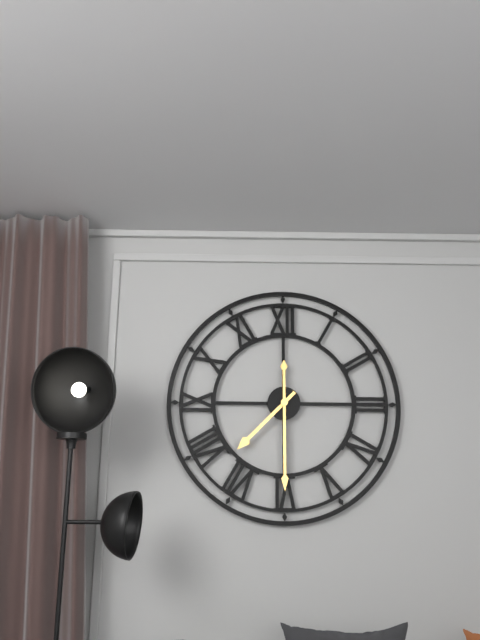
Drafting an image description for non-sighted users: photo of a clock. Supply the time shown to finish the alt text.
7:30
